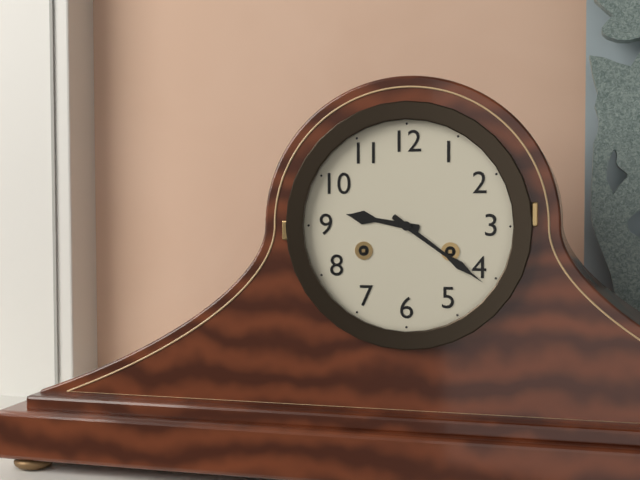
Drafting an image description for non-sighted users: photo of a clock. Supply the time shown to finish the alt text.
9:21
